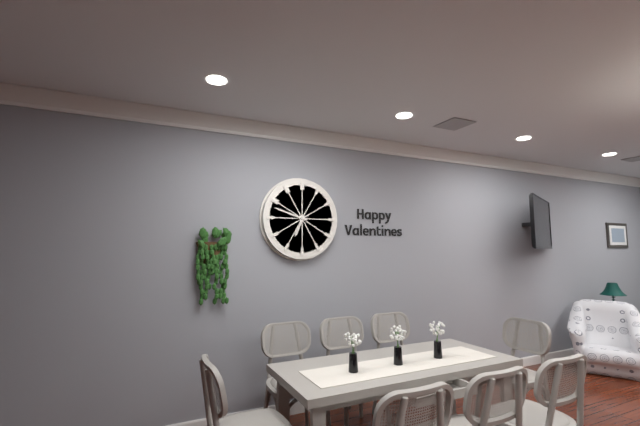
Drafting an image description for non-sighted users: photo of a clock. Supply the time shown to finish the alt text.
6:48
